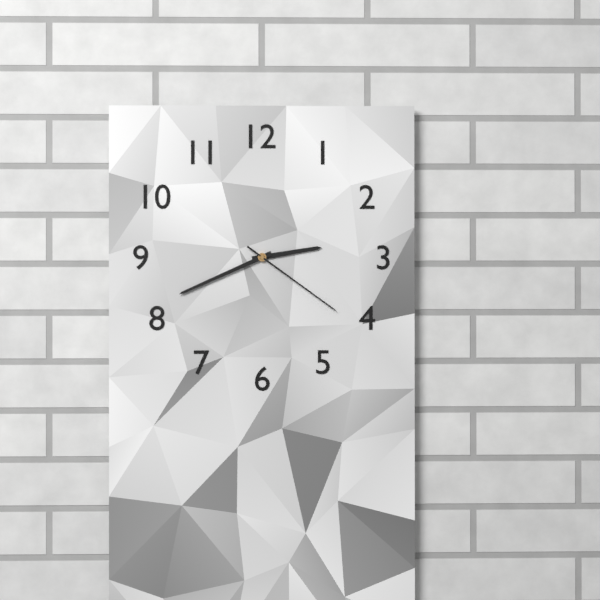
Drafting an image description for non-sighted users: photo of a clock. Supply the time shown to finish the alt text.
2:41:21
